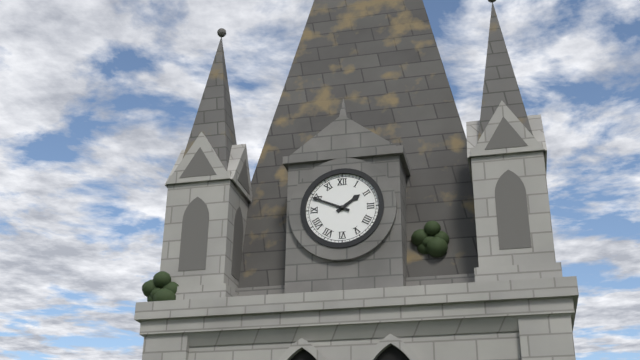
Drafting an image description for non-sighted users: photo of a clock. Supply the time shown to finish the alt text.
1:49
